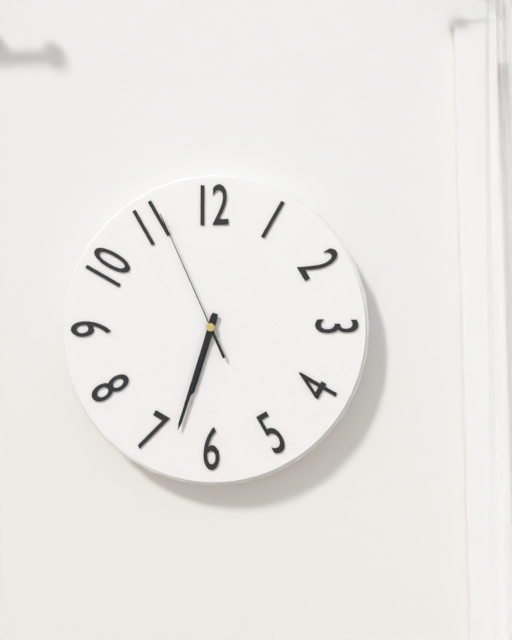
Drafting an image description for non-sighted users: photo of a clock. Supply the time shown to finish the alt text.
6:33:56
